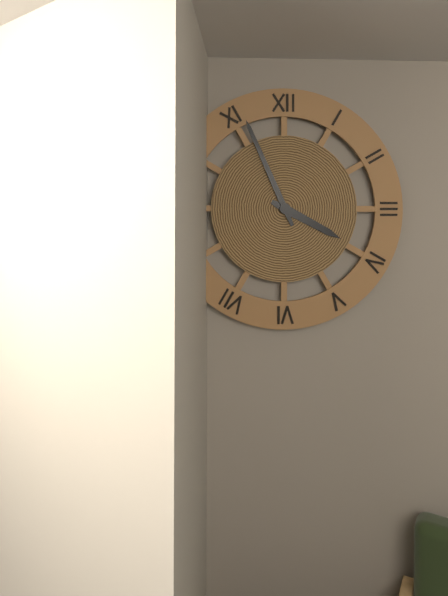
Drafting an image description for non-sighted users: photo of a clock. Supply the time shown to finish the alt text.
3:56
